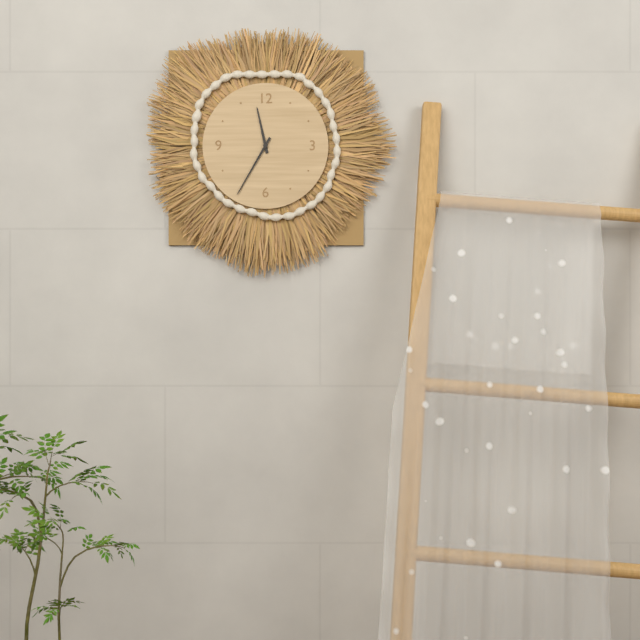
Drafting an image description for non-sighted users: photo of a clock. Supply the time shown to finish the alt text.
11:35
